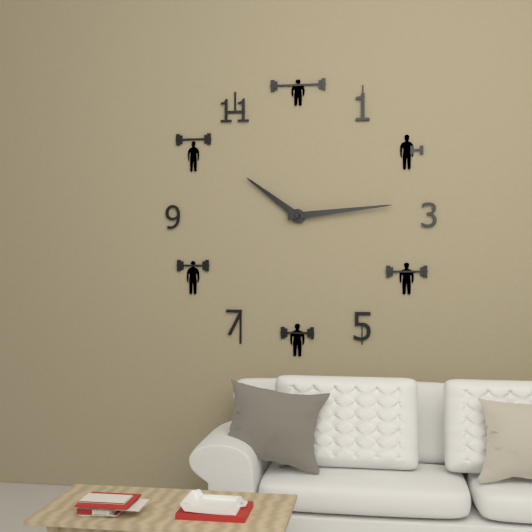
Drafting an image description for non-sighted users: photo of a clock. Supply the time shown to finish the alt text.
10:14
